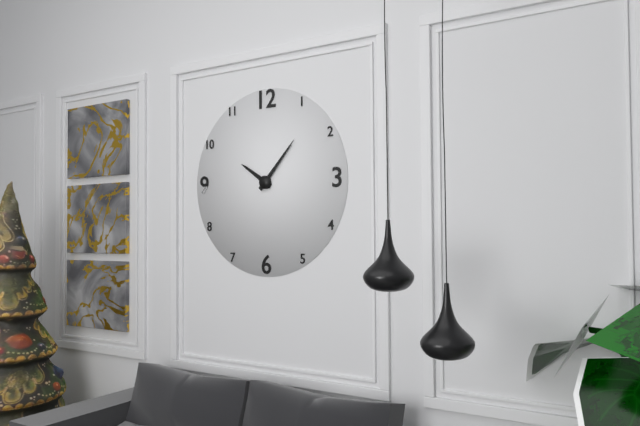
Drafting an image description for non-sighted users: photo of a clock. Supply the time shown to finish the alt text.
10:07
